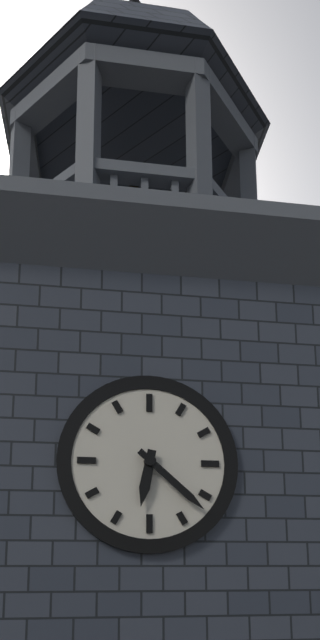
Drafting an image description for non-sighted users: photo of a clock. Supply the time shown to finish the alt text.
6:22
